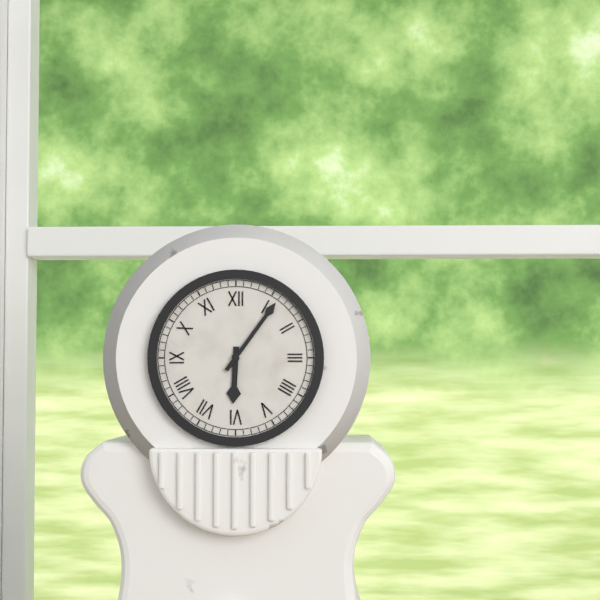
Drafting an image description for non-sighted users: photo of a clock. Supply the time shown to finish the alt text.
6:06
